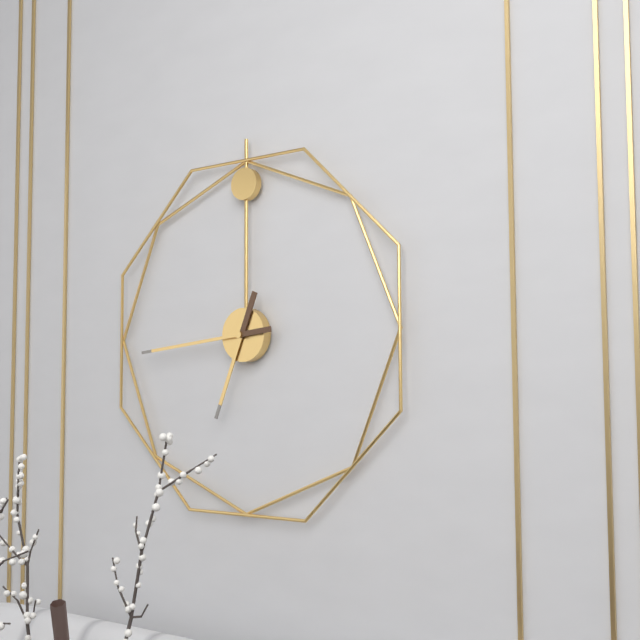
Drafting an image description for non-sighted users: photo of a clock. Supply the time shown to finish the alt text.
6:44
